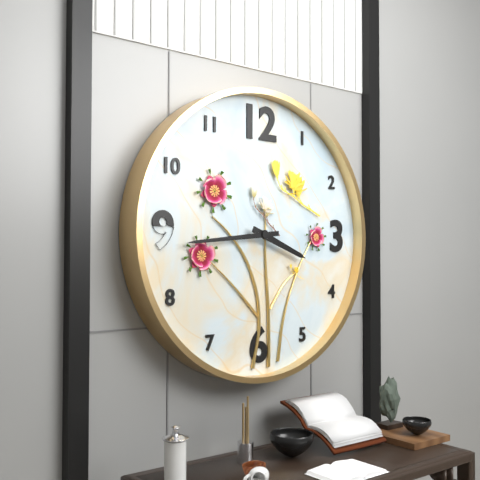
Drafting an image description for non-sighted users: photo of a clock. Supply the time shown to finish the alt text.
3:44
